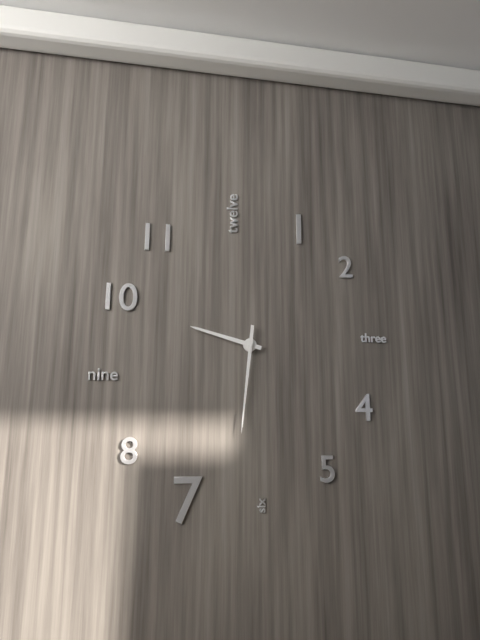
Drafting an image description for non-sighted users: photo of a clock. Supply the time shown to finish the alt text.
9:31
